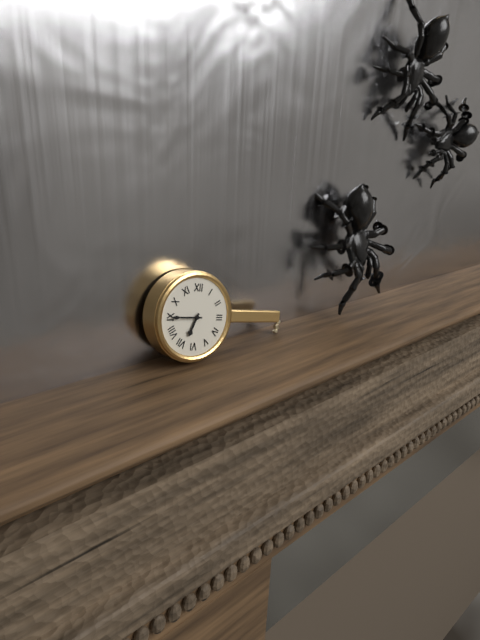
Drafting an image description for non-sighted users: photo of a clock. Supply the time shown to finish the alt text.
6:45
